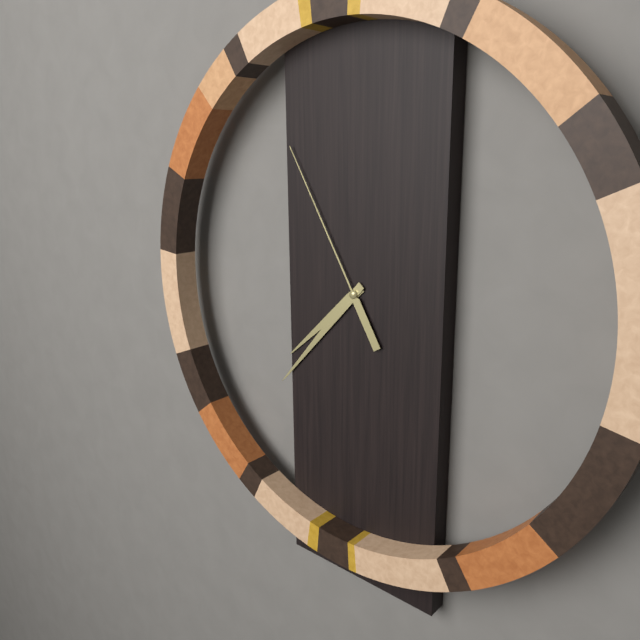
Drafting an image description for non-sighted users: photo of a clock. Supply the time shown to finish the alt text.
7:37:55
